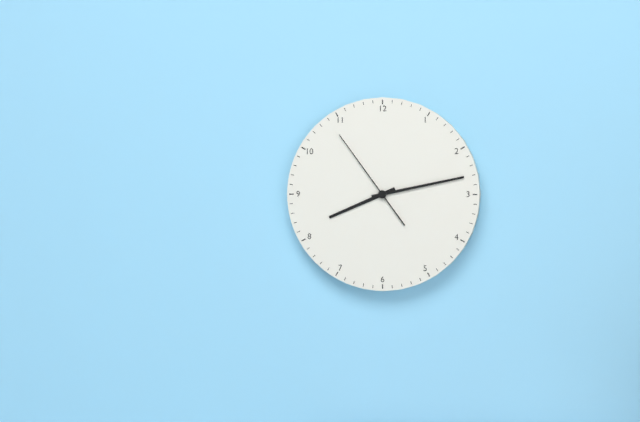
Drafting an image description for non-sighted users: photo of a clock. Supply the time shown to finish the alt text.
8:13:54
